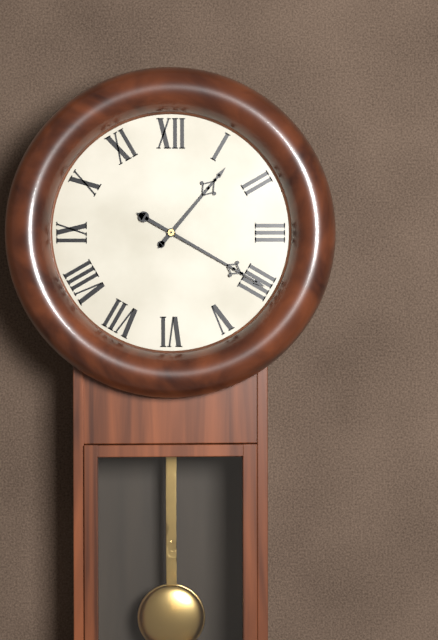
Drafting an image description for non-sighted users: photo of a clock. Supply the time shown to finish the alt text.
1:20
